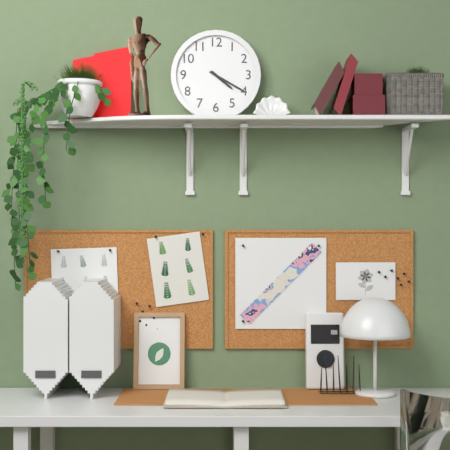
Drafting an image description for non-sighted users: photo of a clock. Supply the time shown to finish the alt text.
4:20
